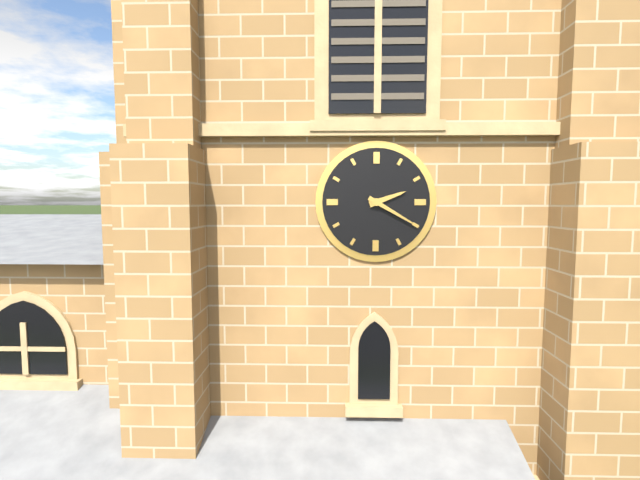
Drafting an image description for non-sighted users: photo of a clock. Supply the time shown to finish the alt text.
2:20
